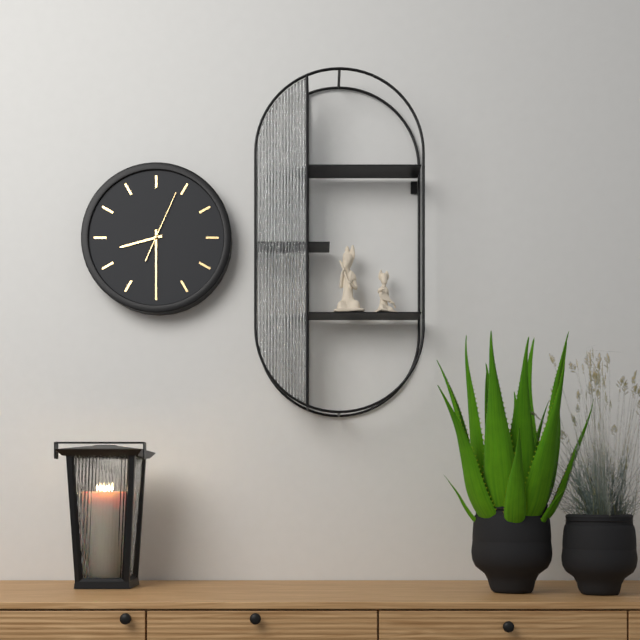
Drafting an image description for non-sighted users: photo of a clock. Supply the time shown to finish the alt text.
8:30:04
